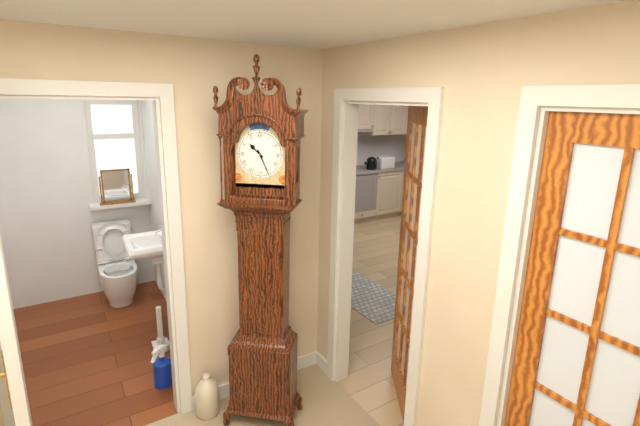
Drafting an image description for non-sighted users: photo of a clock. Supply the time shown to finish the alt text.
10:26
